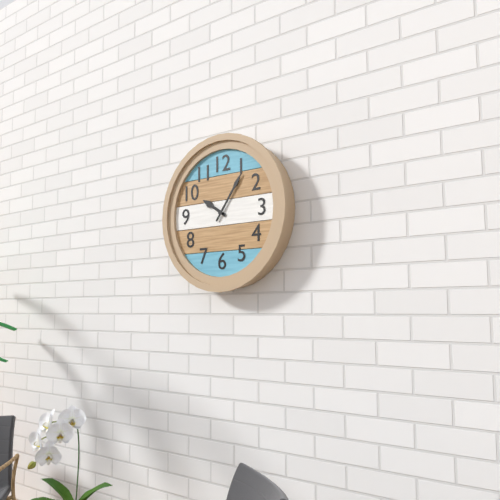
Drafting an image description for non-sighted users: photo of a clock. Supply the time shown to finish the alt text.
10:06
